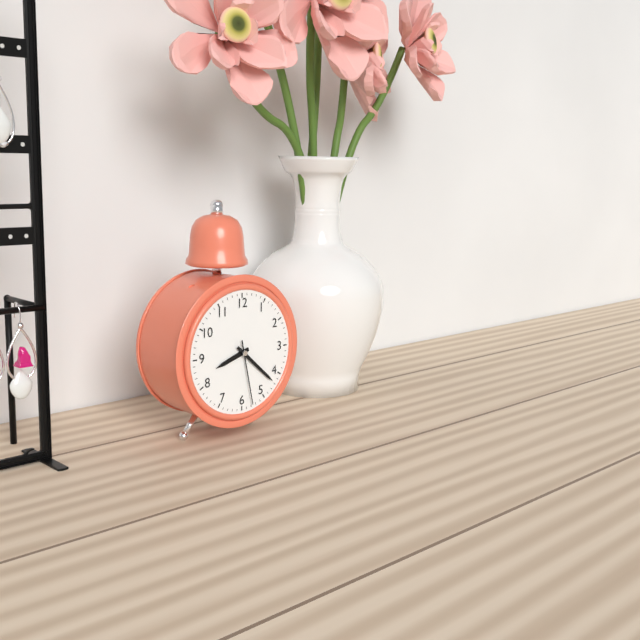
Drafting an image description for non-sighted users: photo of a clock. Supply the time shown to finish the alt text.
8:22:28
